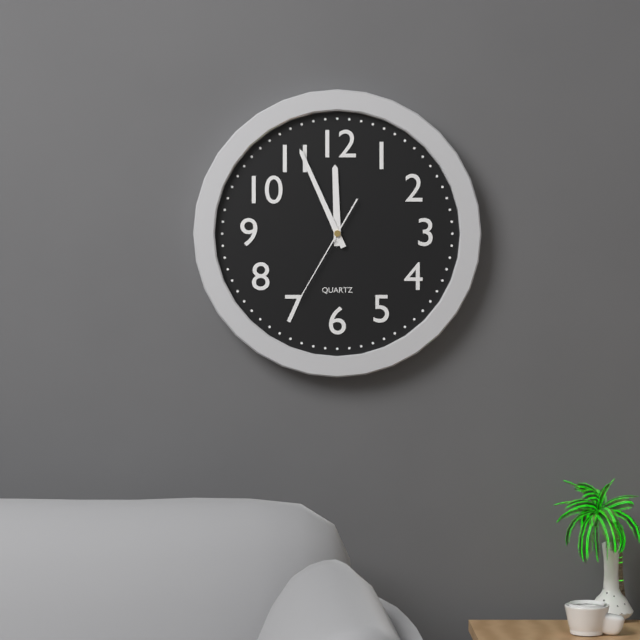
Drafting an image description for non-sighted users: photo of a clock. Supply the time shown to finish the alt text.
11:56:35
